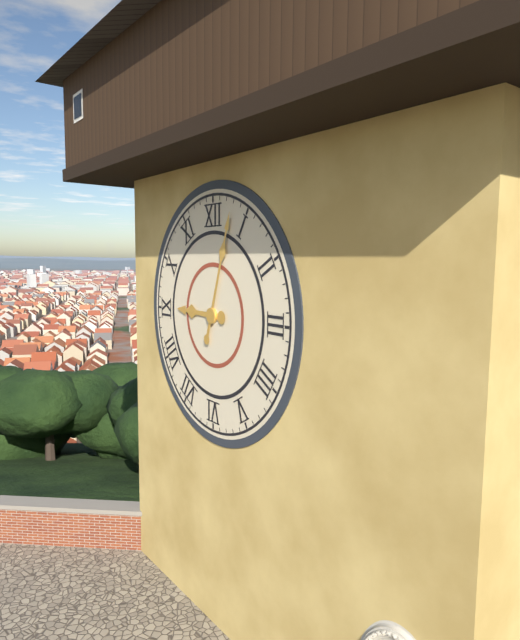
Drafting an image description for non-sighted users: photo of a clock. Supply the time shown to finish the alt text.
9:03
